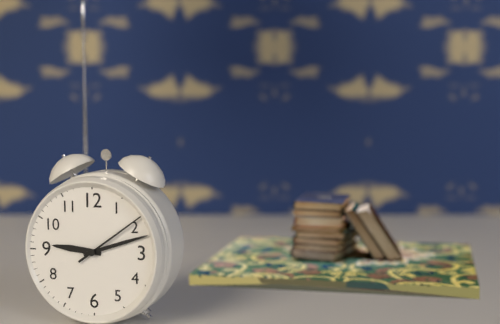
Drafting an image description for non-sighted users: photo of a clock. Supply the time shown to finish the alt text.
9:12:09
